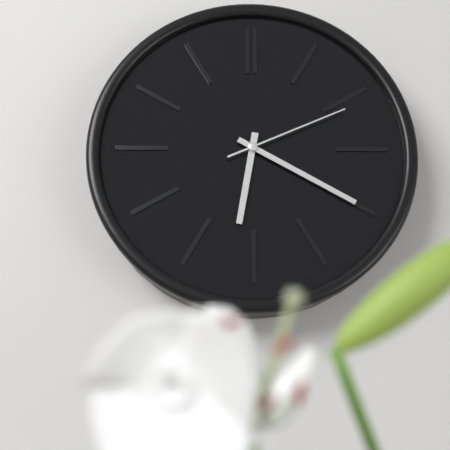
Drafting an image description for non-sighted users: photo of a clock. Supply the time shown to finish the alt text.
6:20:11
